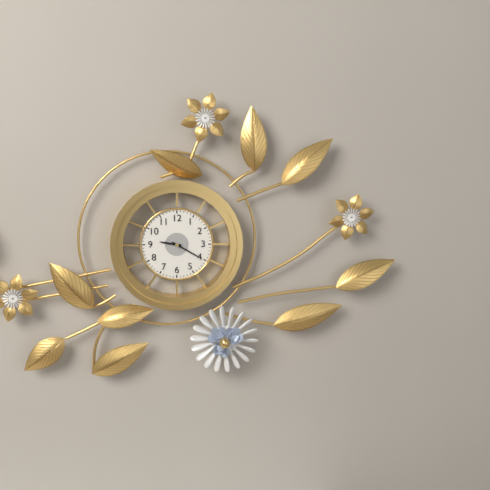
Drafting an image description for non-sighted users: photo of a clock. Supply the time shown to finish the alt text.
9:20
